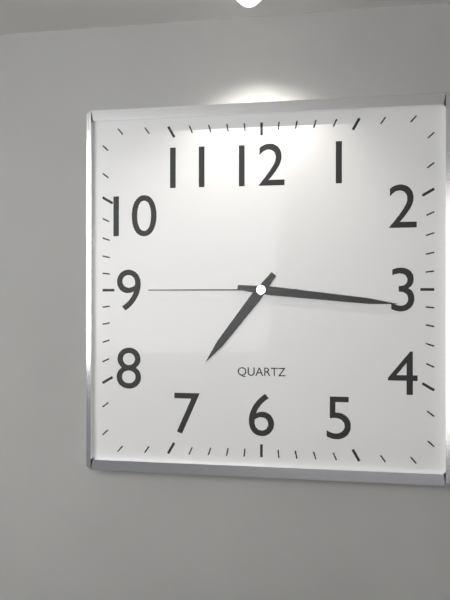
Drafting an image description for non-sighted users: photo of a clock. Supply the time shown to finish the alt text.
7:16:45
